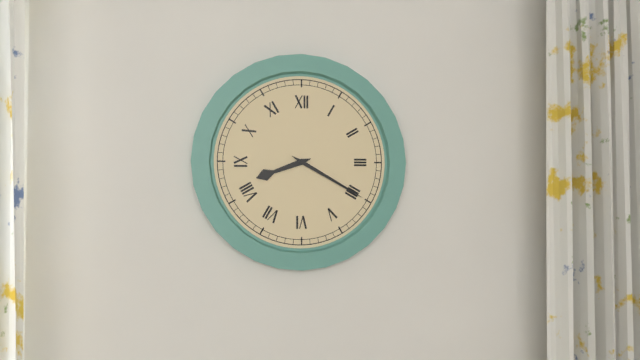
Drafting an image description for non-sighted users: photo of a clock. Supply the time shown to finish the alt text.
8:20
